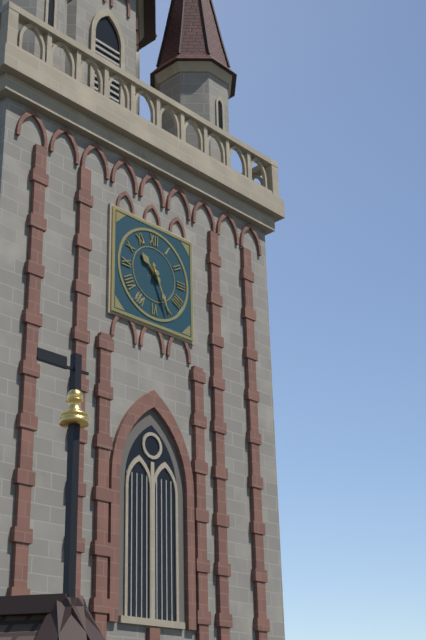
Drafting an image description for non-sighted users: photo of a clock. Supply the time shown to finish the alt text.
10:26
